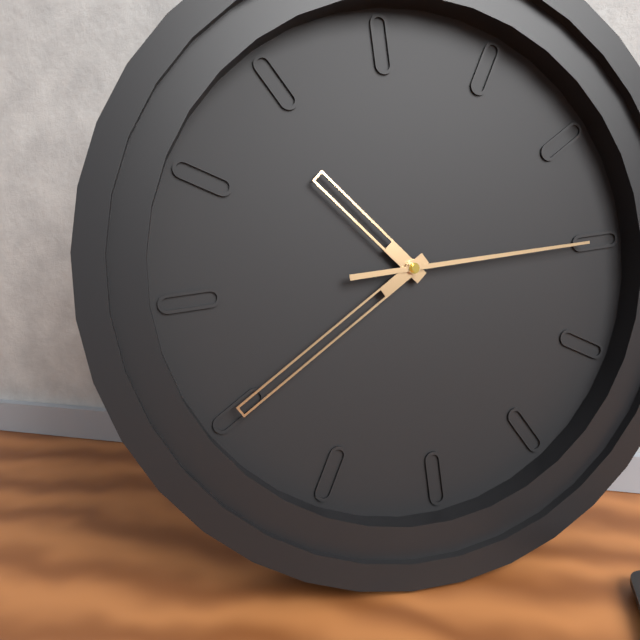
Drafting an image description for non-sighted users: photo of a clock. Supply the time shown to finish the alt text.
10:40:15
